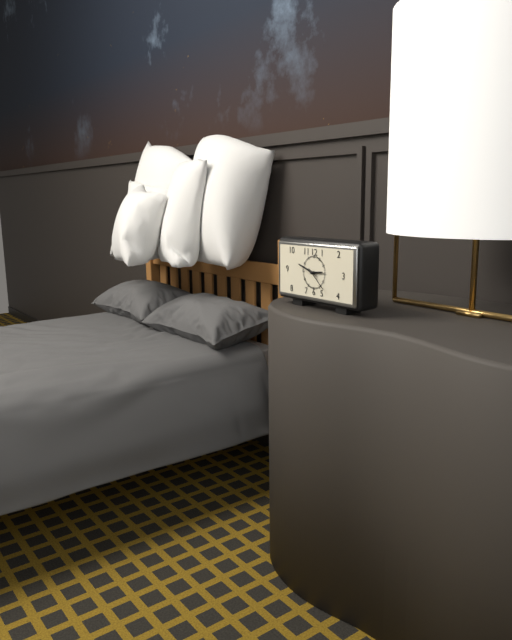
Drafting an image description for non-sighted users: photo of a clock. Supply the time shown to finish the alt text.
2:48
